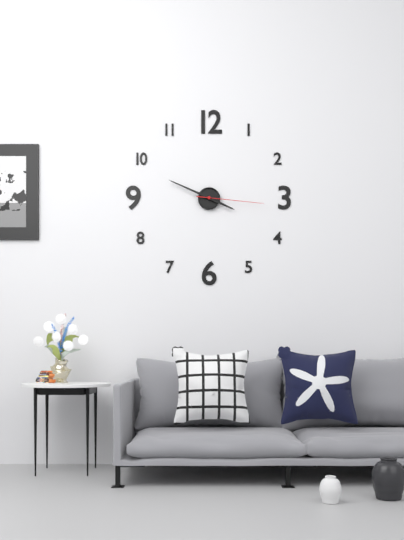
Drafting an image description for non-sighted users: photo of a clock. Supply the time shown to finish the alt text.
3:49:16
